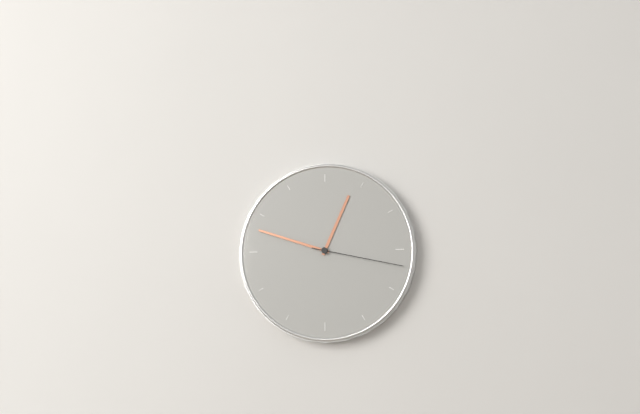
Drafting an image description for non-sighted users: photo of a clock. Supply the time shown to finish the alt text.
12:48:17
